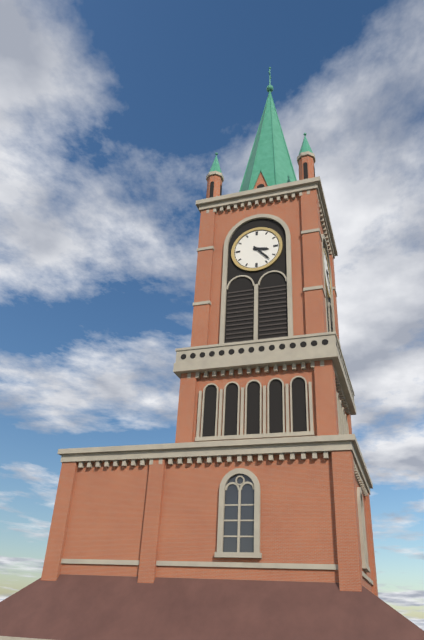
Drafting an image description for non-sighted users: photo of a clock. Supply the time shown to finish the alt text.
3:23
